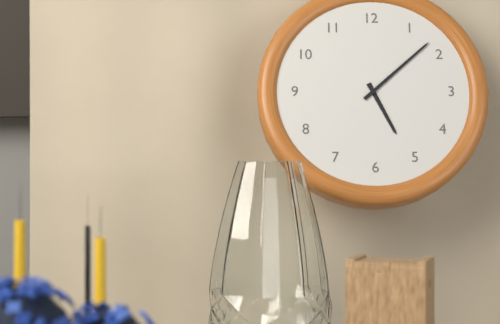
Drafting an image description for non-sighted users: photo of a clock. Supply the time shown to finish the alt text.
5:08
